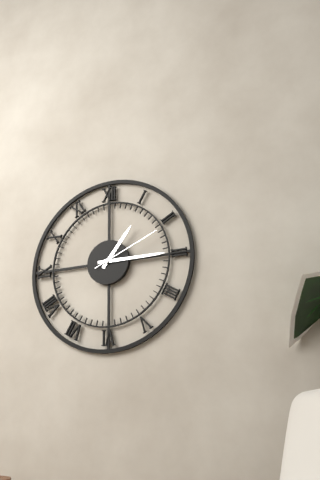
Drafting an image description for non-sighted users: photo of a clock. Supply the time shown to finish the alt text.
1:15:11
